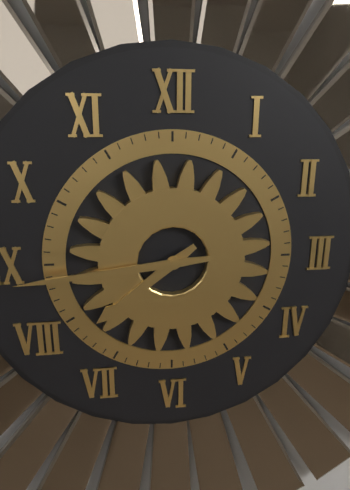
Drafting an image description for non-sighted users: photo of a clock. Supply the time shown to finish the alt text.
7:44
